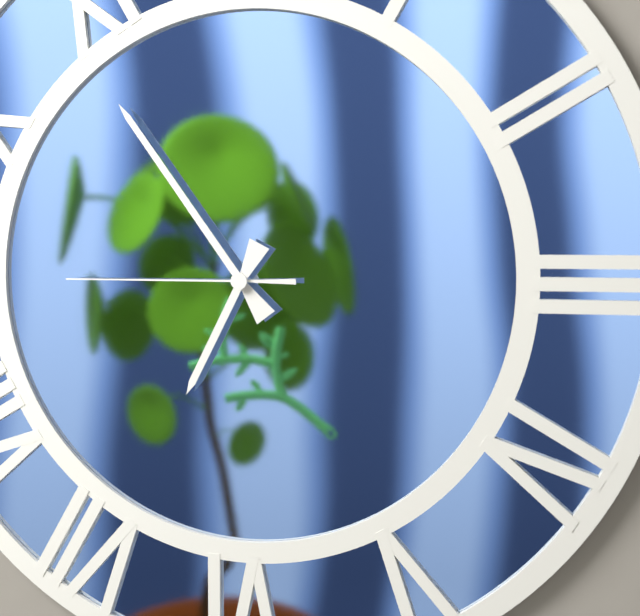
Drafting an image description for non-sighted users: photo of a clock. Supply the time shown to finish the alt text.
6:54:45
